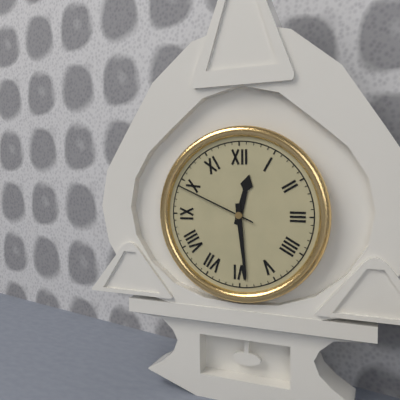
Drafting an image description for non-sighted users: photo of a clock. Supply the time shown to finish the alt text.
12:29:49
